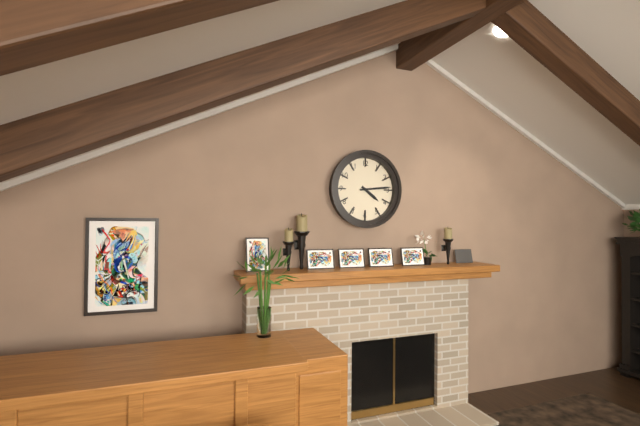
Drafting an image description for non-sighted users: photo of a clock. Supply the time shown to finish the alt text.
4:14
